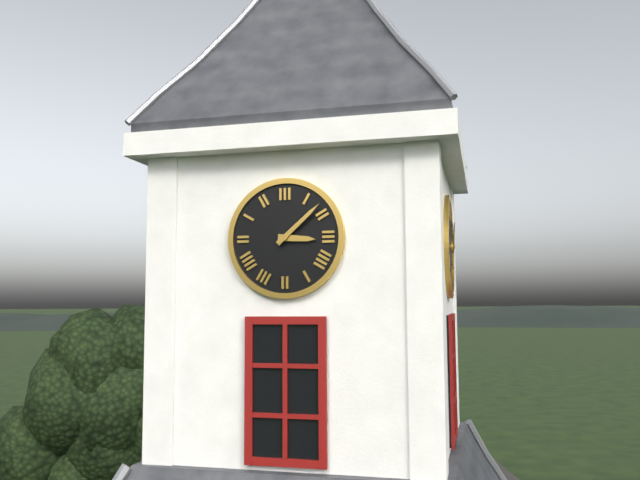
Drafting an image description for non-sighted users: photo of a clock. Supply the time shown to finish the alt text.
3:08
